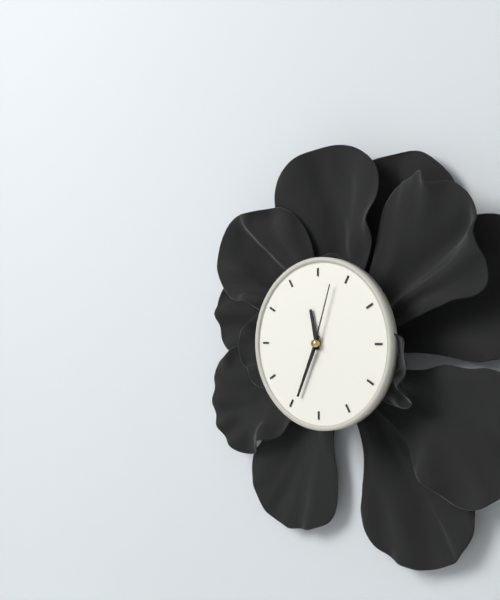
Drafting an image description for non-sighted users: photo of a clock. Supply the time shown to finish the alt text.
11:34:03
